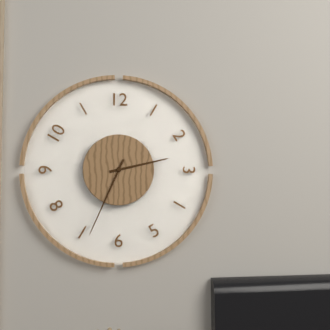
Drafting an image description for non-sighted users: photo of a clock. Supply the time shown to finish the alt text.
2:34
